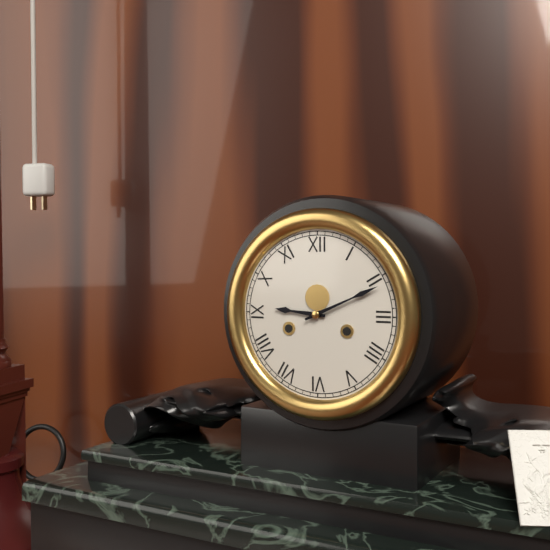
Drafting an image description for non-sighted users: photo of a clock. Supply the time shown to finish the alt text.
9:11
